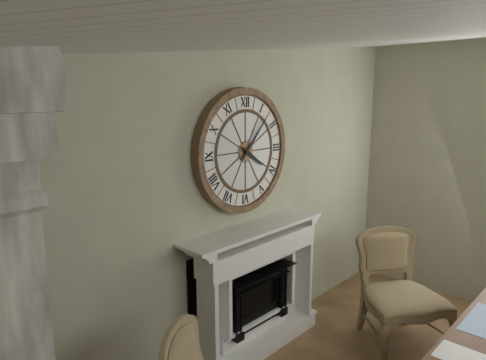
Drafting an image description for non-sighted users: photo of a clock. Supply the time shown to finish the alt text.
4:07
